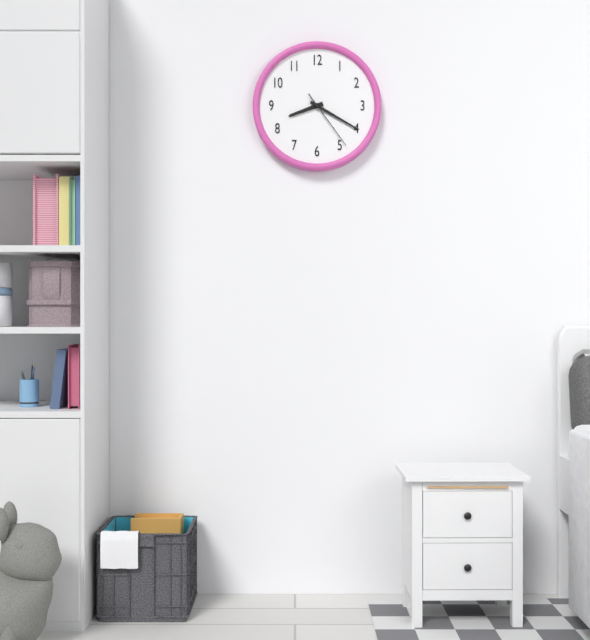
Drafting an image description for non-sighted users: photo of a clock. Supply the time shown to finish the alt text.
8:20:24
